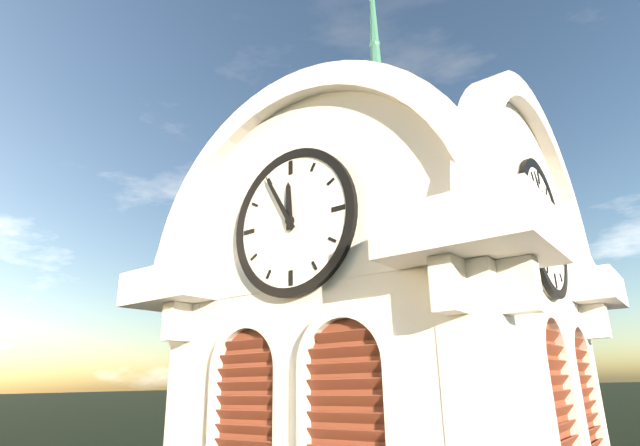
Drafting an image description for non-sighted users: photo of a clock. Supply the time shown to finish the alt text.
11:55
